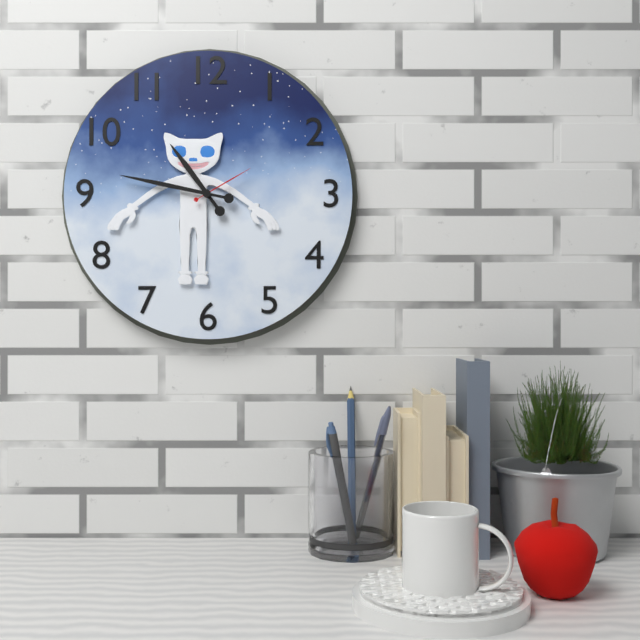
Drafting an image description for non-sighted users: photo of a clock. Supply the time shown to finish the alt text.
10:47:10
